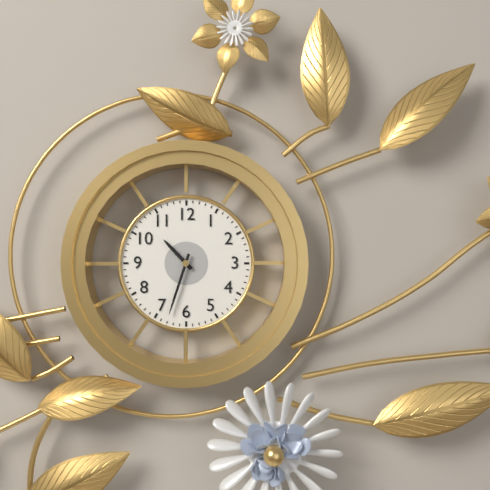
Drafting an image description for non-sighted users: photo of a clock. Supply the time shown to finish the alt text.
10:33
